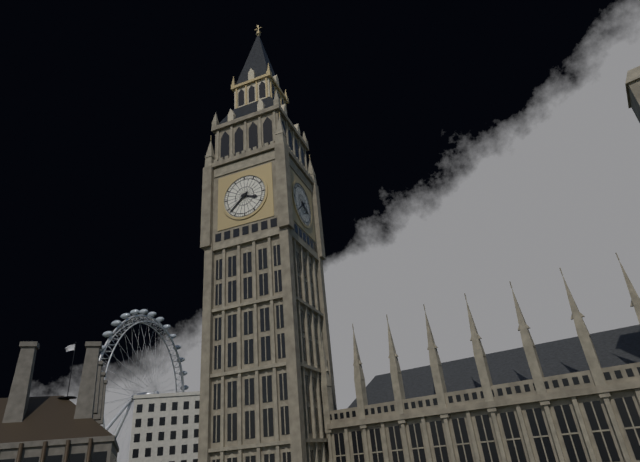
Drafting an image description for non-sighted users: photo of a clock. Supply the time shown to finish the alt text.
3:38
